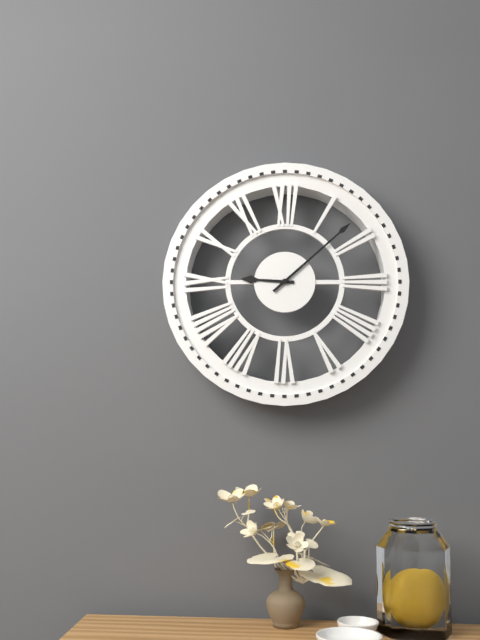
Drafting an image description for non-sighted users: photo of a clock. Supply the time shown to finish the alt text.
9:08
